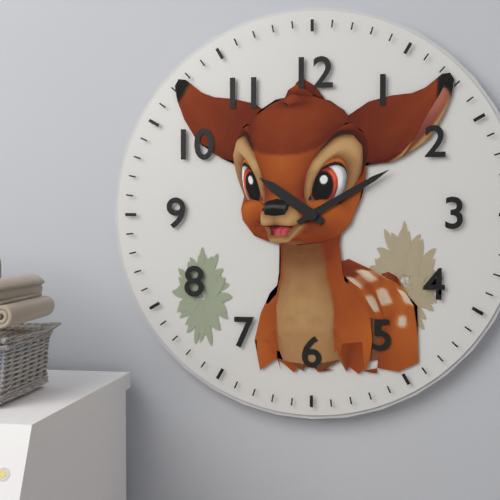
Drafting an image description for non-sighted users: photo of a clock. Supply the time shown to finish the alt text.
10:10
